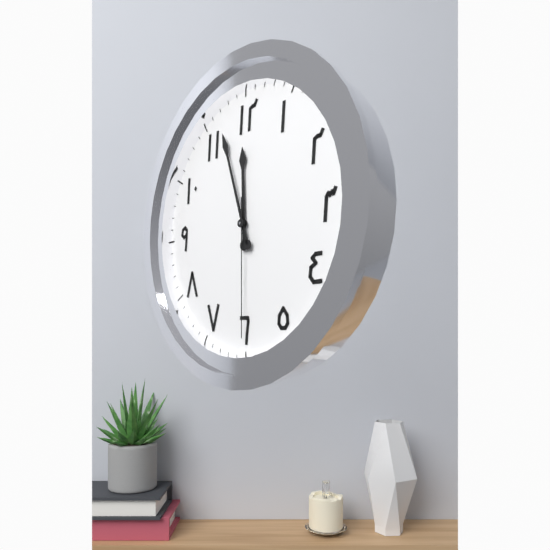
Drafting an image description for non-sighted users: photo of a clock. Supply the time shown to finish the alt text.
11:57:30
